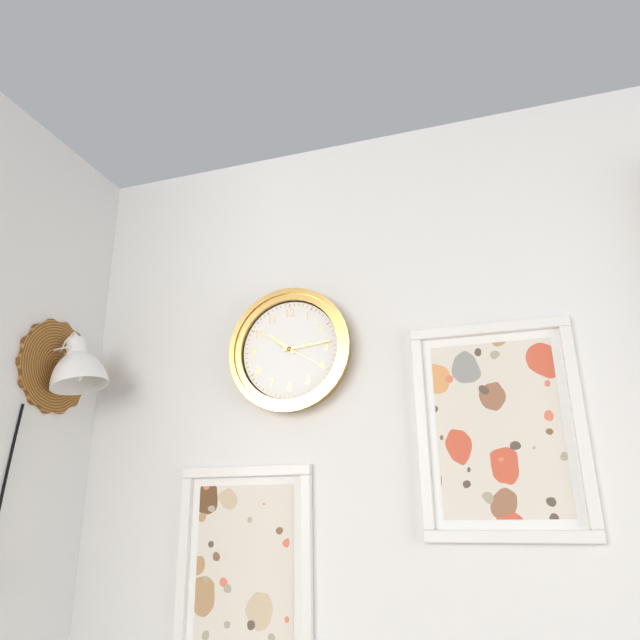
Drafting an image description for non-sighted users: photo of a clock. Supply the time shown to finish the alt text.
10:14:20
